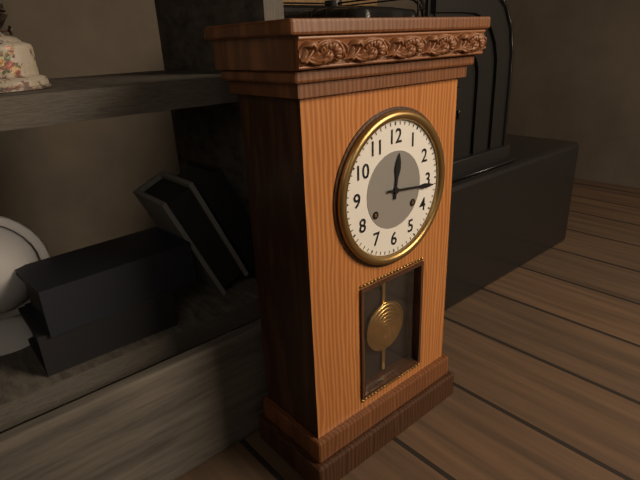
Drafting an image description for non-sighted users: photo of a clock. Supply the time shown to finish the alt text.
12:16
